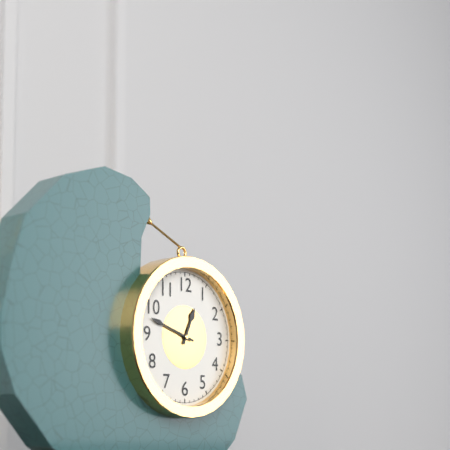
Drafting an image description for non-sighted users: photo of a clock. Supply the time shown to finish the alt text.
12:48
